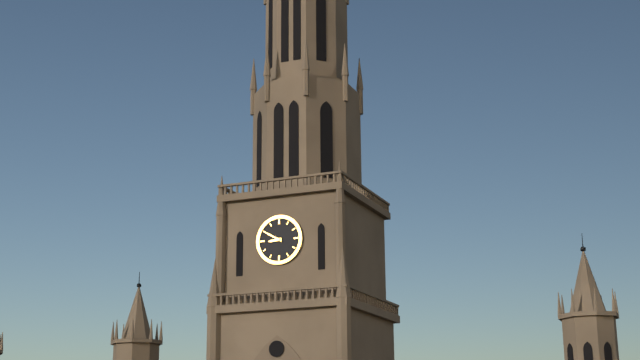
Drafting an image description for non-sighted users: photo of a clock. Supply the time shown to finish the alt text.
8:50
